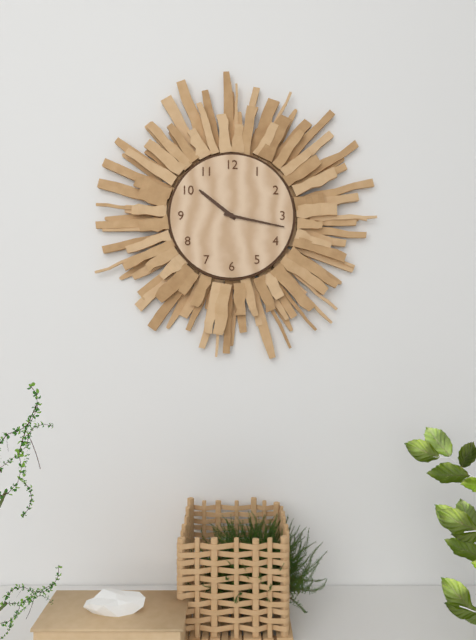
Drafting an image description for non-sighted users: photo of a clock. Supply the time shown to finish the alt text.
10:17
